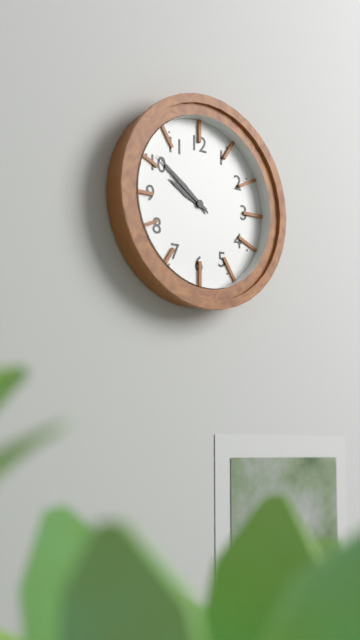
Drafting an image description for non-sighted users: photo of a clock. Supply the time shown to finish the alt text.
9:51
